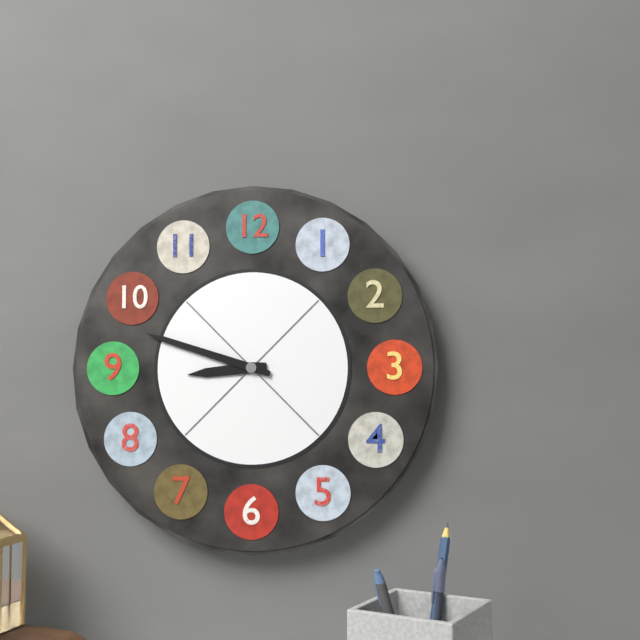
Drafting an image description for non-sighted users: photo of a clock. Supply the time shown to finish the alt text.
8:48
